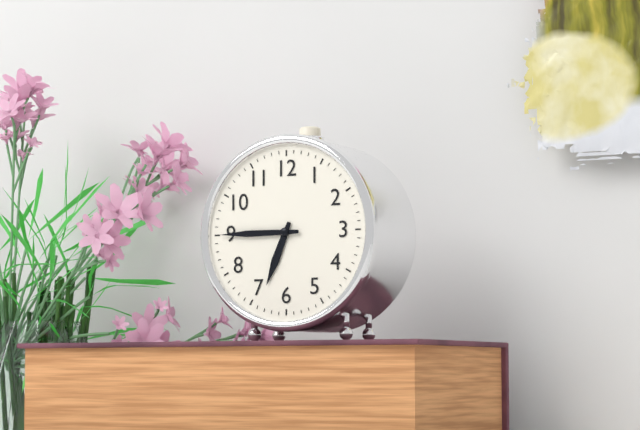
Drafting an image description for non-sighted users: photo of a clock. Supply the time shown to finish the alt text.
6:45
